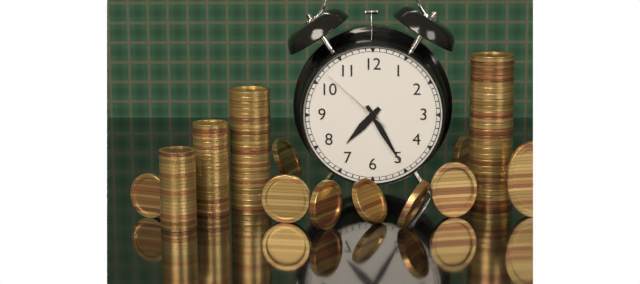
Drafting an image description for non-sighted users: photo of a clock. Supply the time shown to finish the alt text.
7:25:52
